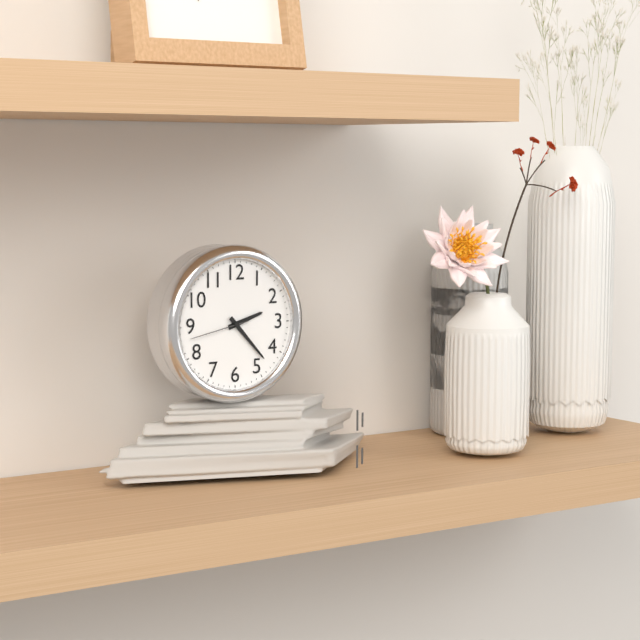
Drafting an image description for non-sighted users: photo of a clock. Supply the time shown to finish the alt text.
2:23:43
